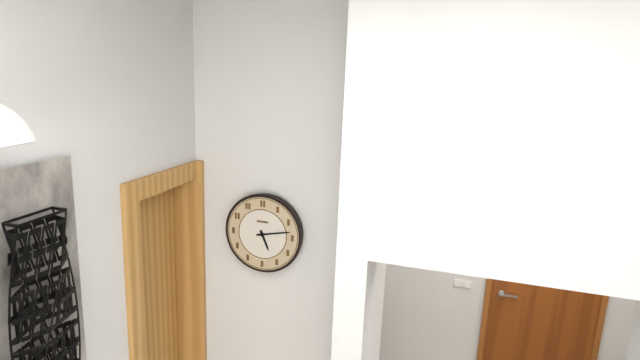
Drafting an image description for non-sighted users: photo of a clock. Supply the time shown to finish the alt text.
5:13
